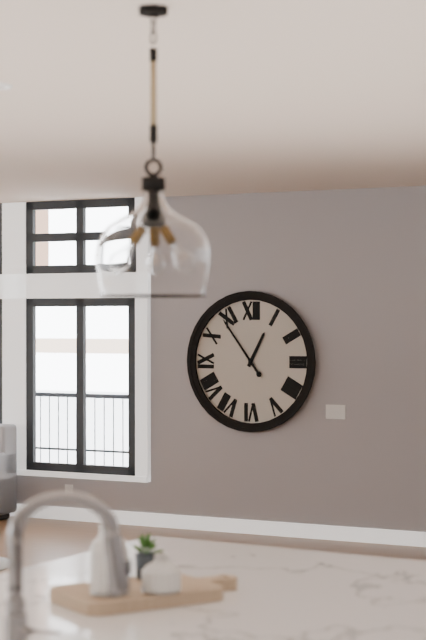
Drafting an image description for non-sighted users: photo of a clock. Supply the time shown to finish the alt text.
12:54
